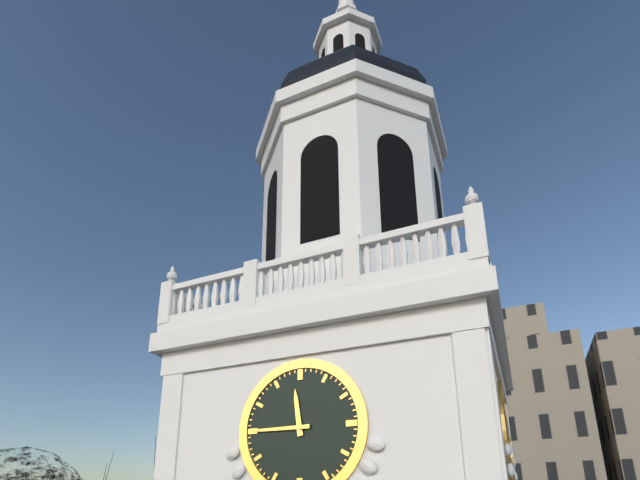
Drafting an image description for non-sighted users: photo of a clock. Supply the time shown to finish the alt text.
11:45
